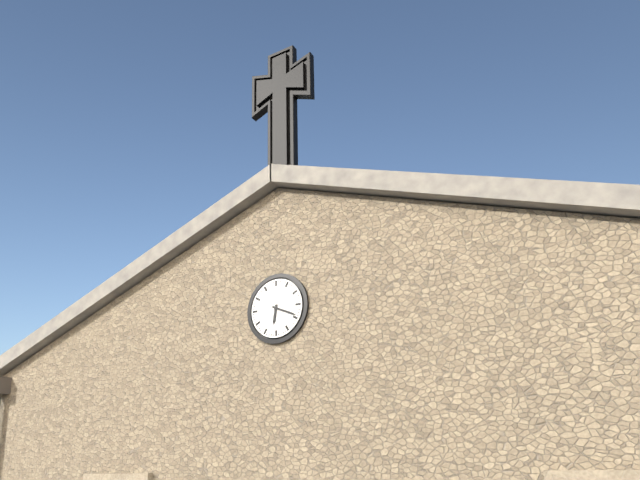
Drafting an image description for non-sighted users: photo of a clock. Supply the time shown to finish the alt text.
6:19
